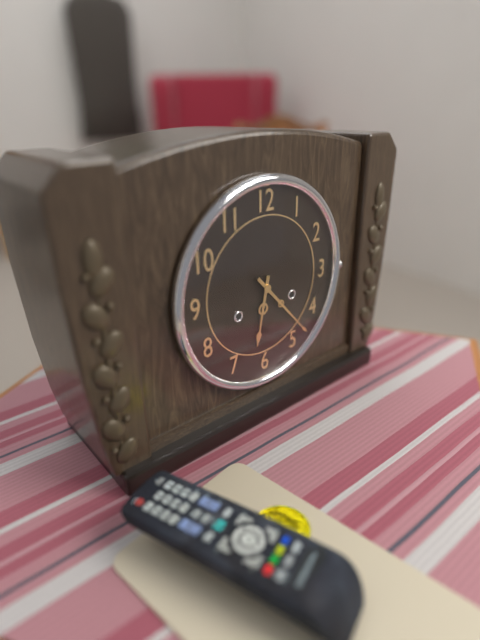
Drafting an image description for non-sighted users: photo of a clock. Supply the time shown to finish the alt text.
6:23
